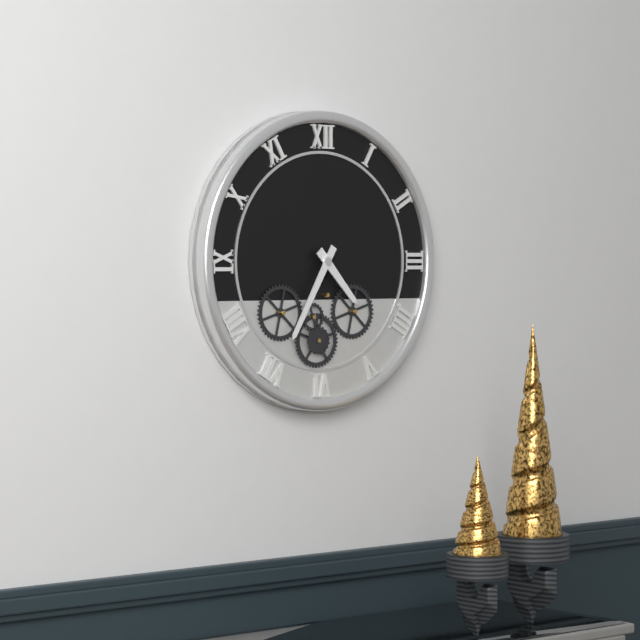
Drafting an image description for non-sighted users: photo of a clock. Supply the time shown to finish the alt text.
4:35
